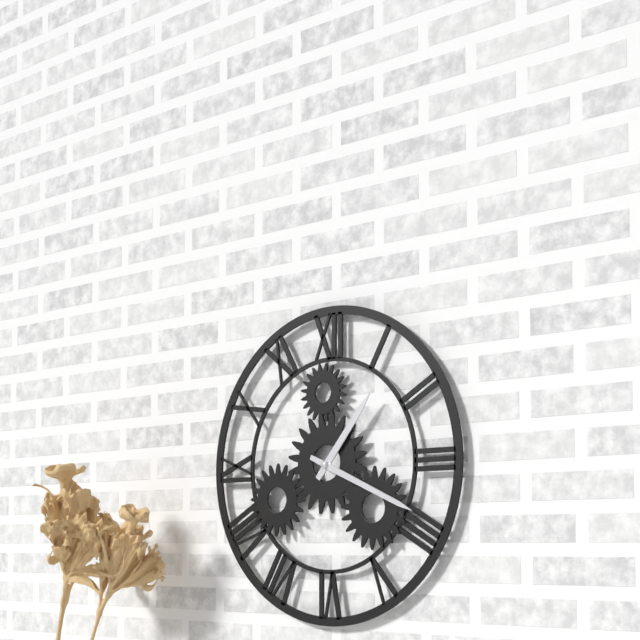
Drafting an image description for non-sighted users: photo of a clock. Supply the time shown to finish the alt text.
1:19
